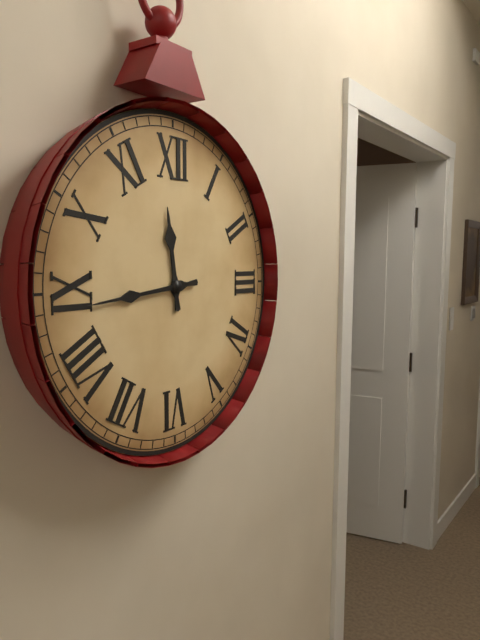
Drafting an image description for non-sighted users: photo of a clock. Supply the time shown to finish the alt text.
11:44
